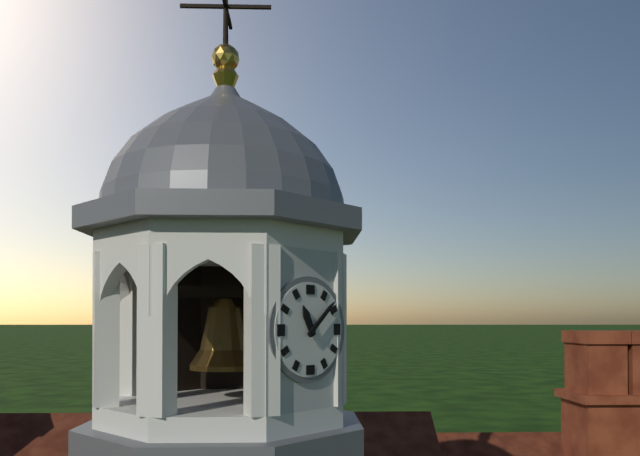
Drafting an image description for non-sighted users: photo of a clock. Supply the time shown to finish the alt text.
11:08
